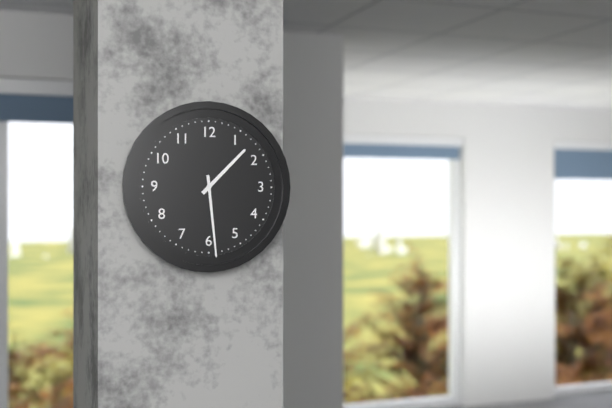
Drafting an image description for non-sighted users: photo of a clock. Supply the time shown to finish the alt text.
1:29
